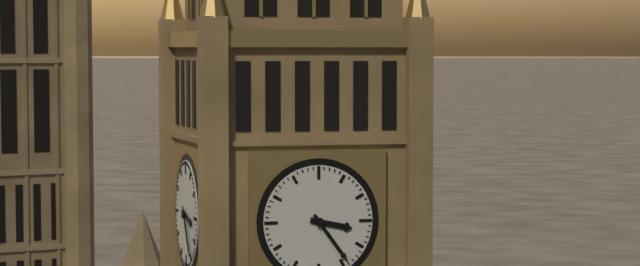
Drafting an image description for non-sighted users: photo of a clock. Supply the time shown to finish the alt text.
3:24
